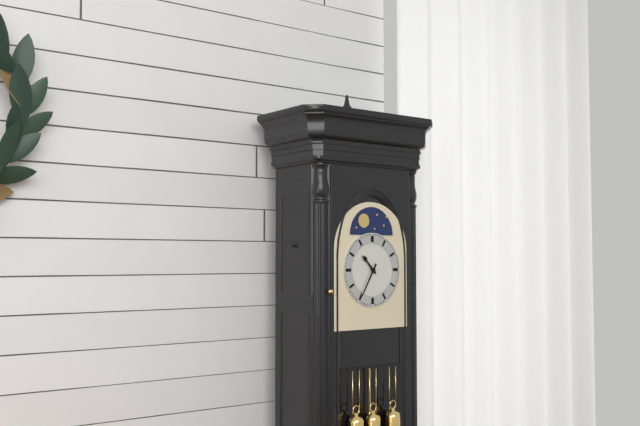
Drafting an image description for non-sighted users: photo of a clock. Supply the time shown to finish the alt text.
10:35
